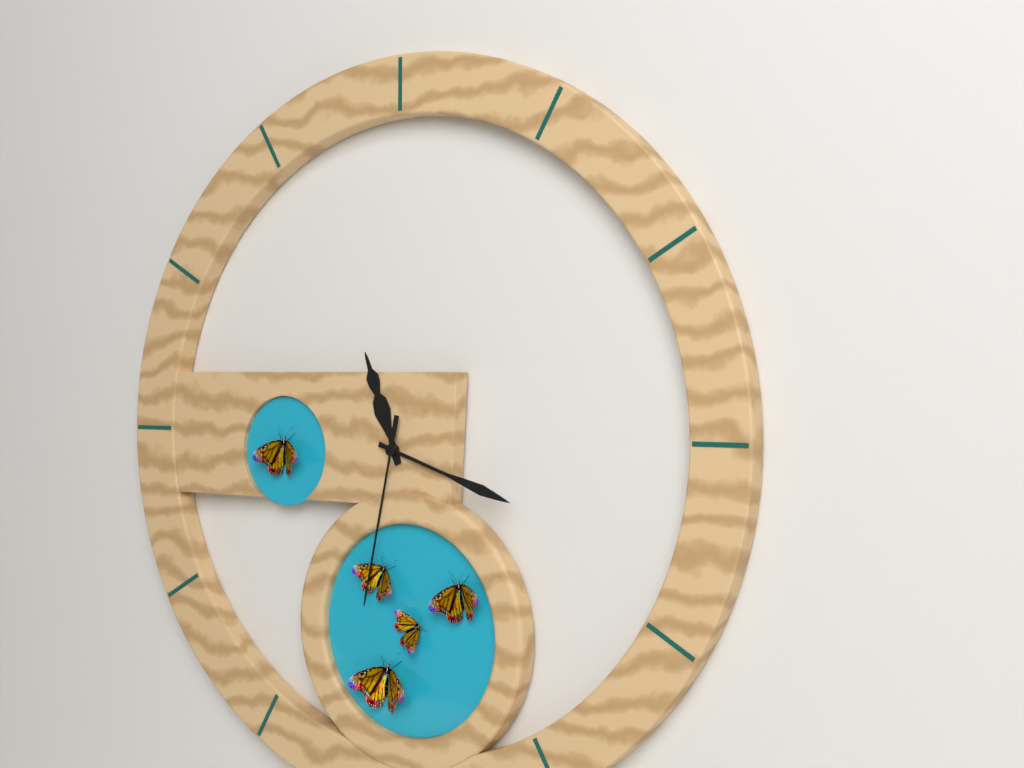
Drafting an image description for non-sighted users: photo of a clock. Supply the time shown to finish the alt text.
11:18:32
